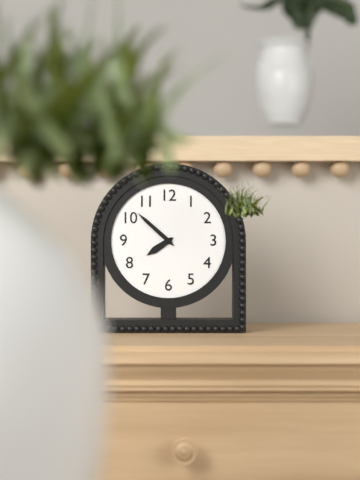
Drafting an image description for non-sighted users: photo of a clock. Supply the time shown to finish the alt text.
7:52
